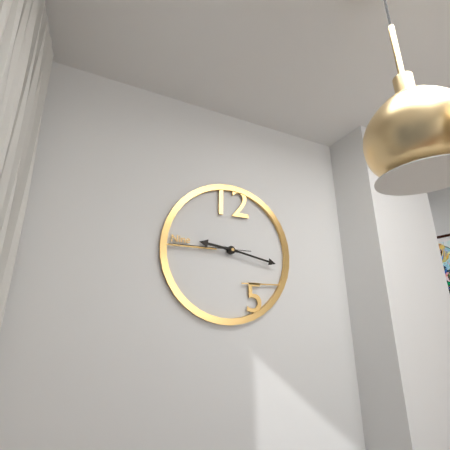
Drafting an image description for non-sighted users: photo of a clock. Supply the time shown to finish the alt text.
9:17:45
